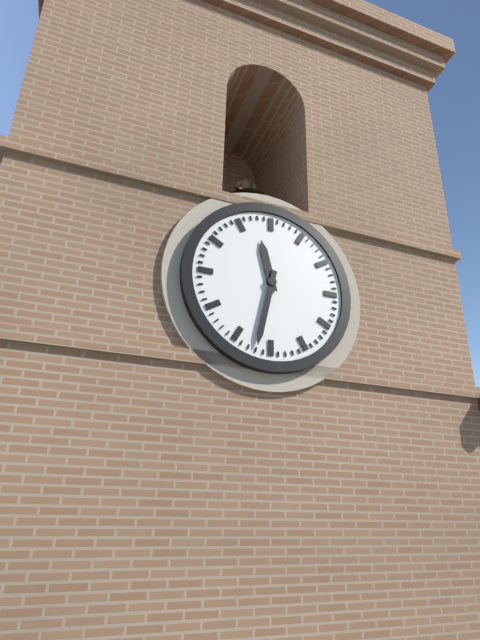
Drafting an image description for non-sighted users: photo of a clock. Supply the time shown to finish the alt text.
11:32
